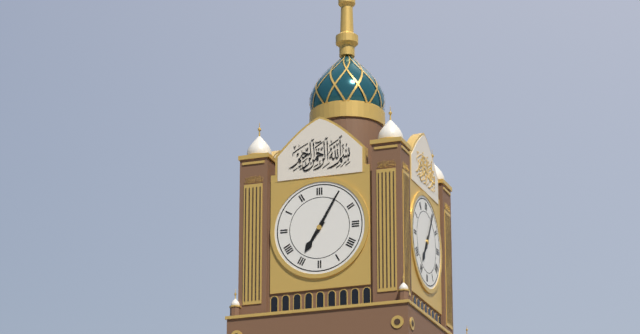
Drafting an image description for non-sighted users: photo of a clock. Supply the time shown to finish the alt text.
7:05
